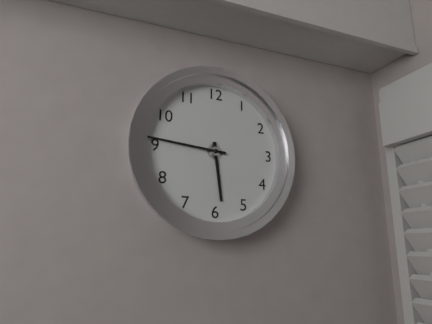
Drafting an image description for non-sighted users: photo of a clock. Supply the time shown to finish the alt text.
5:46
